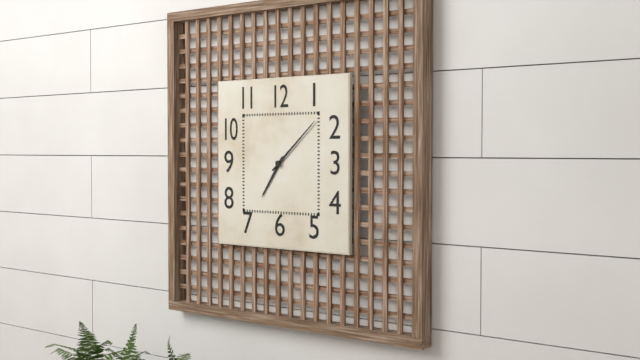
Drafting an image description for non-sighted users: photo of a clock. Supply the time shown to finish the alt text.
7:08
